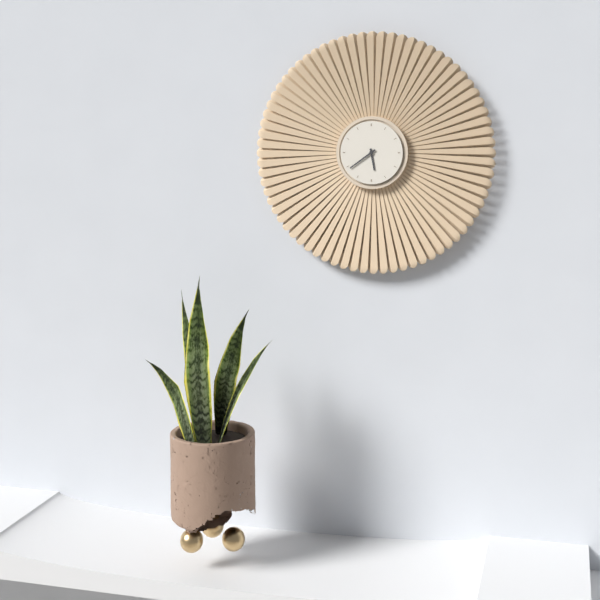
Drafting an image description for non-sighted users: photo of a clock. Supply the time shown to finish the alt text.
5:39
